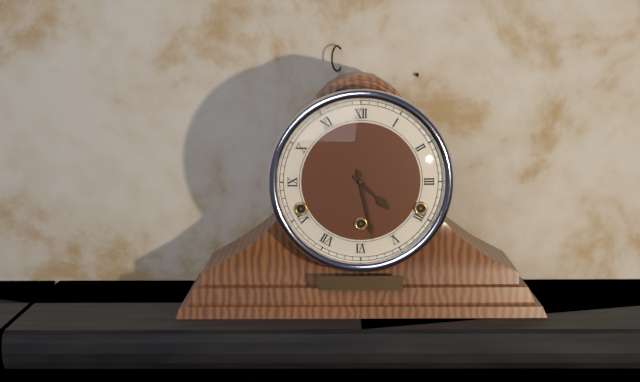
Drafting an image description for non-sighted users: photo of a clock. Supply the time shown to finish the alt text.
4:28
